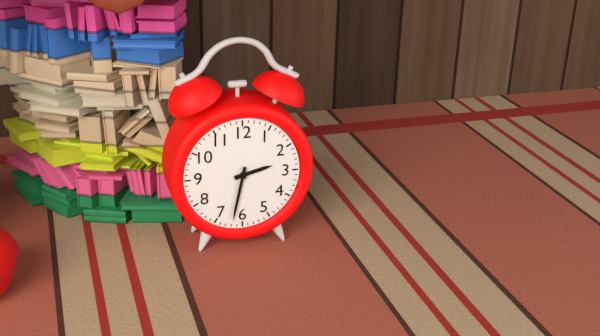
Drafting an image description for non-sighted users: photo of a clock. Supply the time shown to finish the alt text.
2:32
